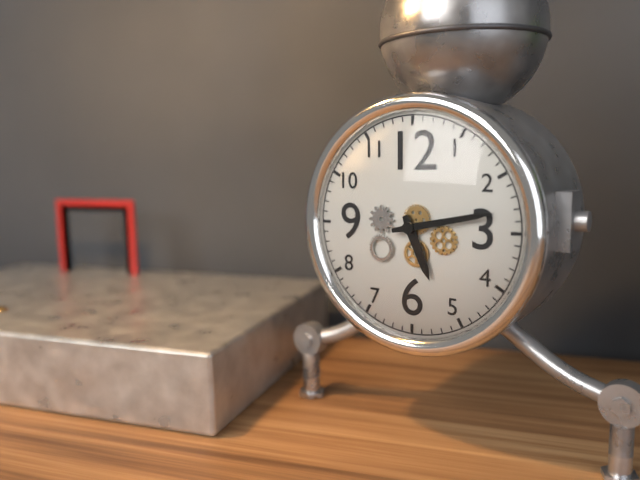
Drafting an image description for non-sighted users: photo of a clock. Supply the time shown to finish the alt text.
5:13
